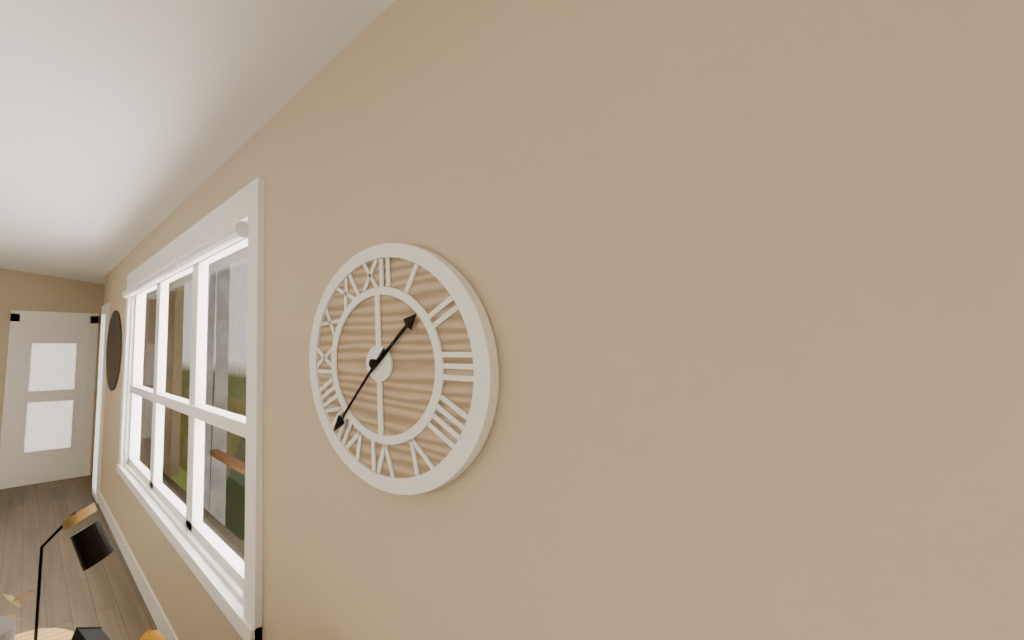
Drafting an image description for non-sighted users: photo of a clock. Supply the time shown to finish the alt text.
1:37
